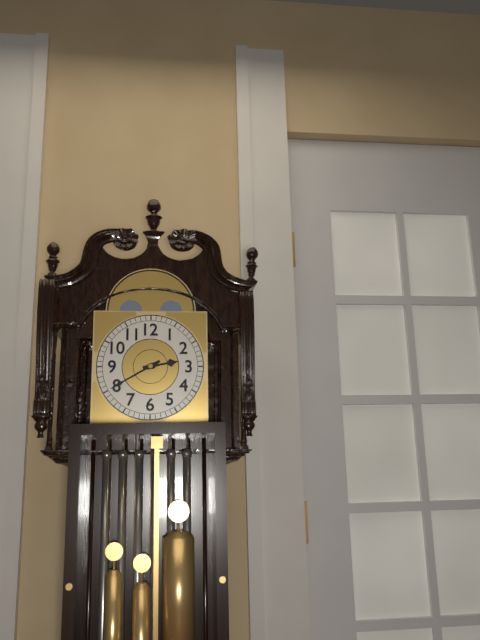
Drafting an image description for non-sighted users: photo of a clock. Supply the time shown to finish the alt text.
2:40
